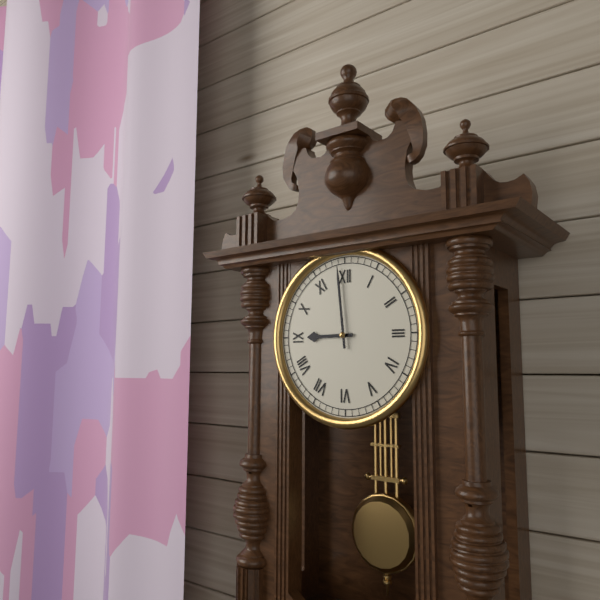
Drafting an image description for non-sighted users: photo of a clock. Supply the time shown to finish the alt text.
8:59
